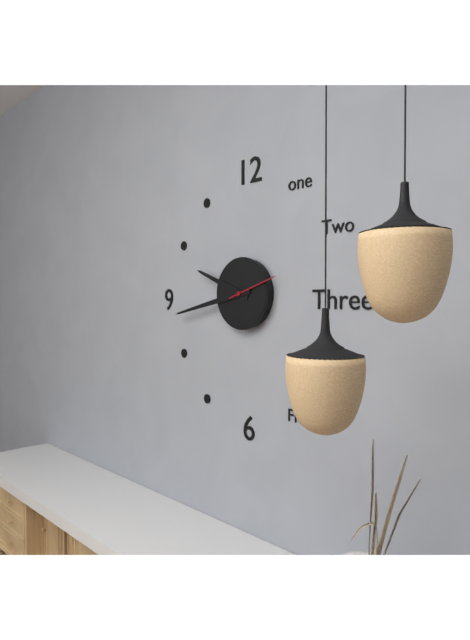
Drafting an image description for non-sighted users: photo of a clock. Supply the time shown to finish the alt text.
9:43:12
